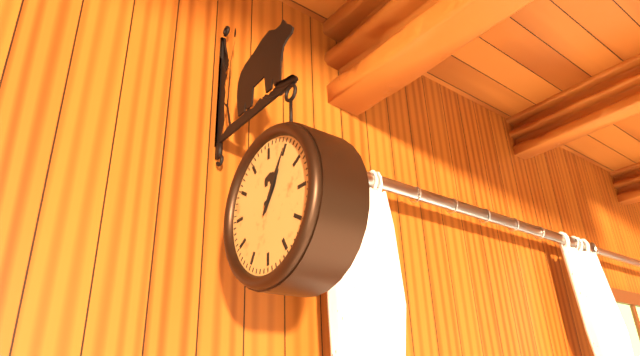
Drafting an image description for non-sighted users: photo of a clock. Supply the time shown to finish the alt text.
1:05
